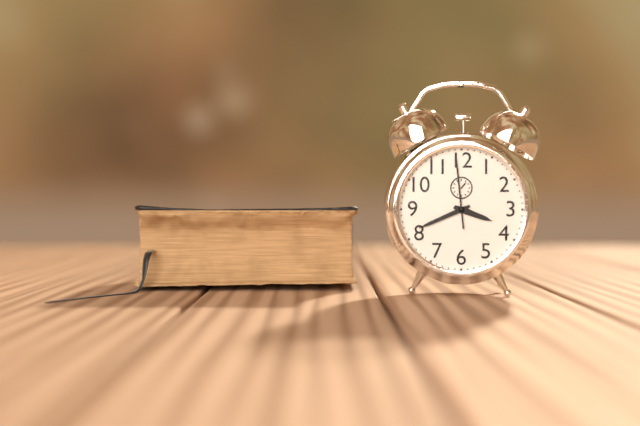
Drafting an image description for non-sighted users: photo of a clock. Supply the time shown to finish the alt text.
3:41:59
